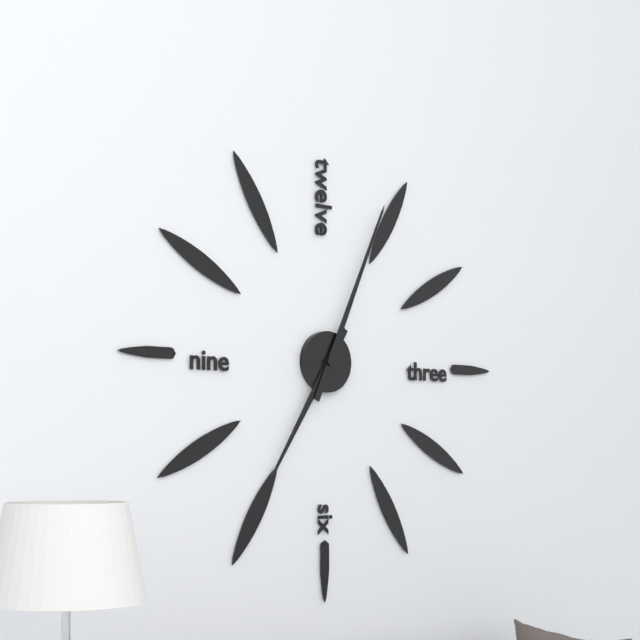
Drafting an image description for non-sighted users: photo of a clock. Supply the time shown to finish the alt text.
7:04
